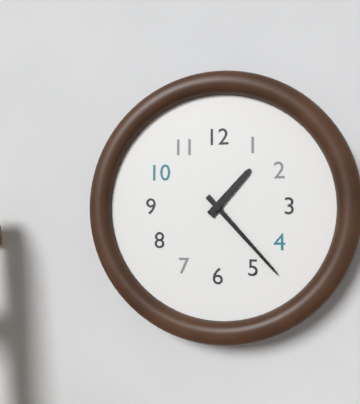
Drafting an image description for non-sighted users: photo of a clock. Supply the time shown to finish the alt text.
1:23
